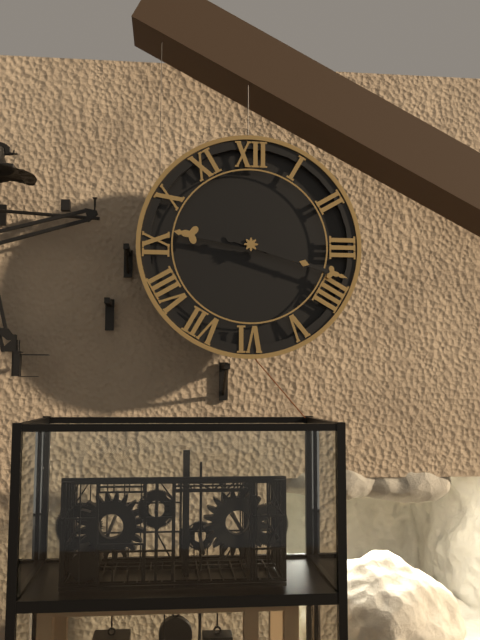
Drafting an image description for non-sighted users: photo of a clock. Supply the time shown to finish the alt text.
9:18
